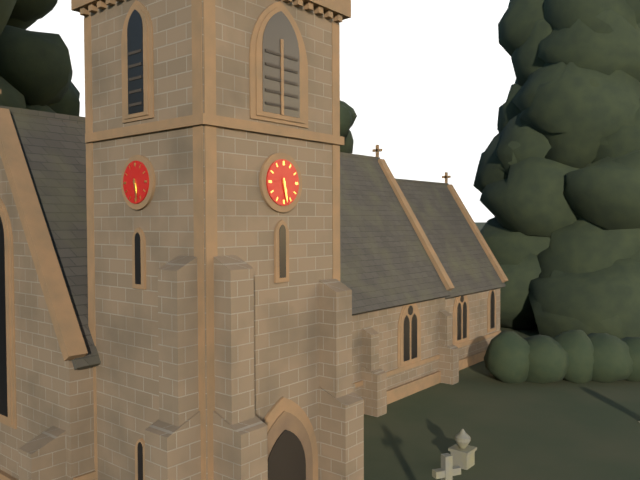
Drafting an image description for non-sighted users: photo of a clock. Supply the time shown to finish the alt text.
5:28
